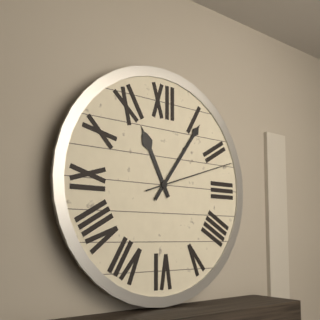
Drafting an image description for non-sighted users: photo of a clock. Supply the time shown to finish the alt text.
11:06:12
